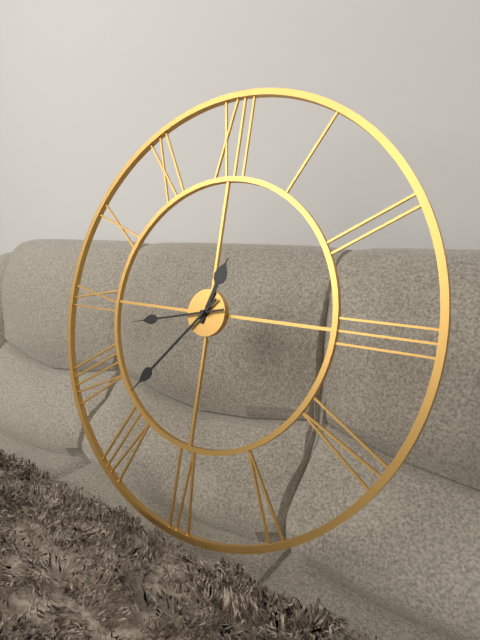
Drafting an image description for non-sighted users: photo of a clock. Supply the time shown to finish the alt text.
12:37:43
